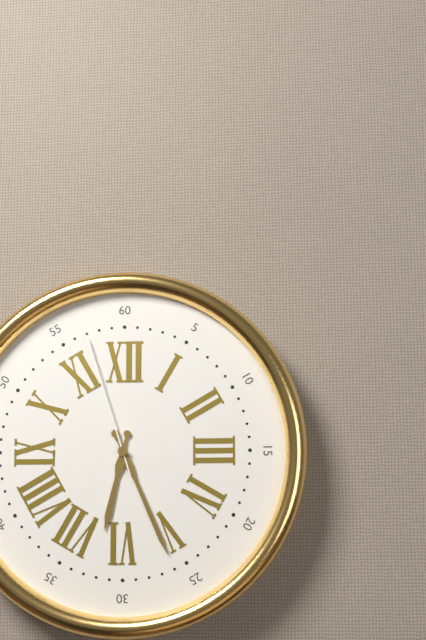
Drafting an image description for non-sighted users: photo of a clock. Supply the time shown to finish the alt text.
6:26:57
